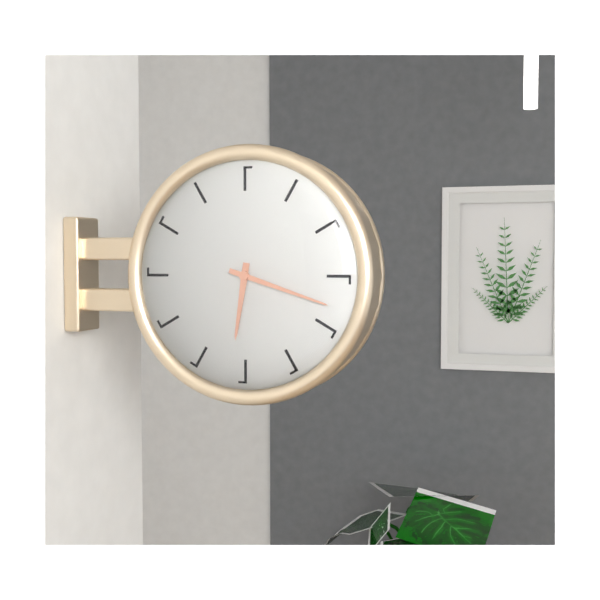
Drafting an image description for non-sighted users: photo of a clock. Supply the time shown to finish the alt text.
6:18
